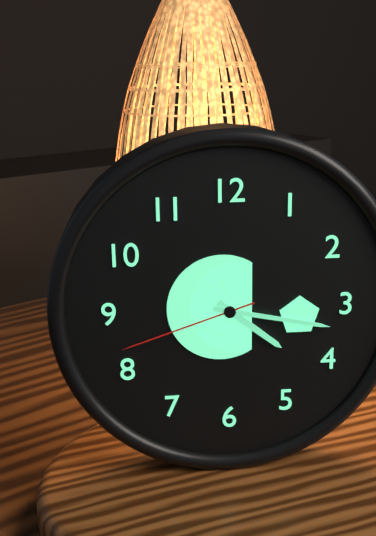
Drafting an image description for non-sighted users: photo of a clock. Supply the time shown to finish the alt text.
4:17:42
